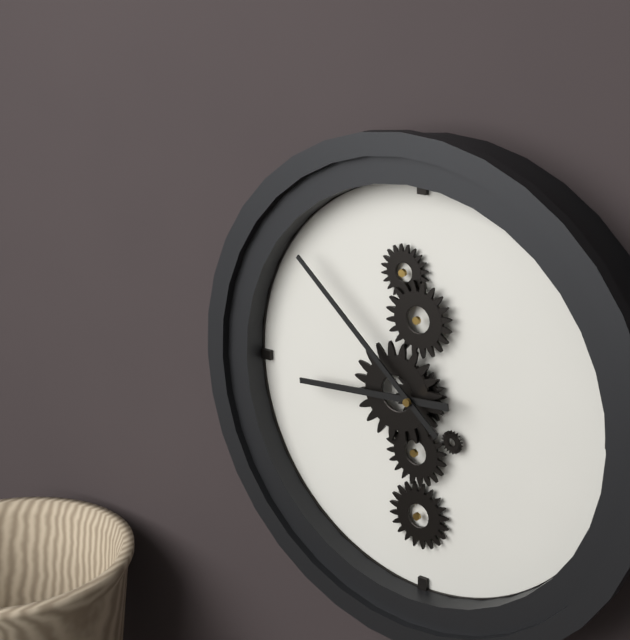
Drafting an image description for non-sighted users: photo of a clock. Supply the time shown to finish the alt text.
8:52
